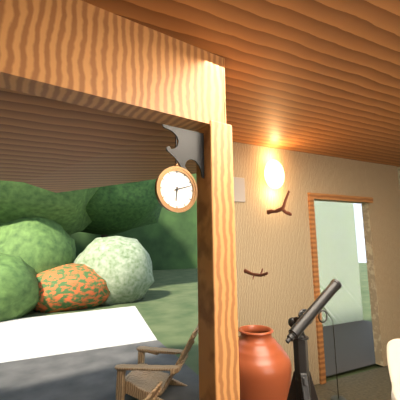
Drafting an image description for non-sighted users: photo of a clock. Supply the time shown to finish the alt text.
6:12
